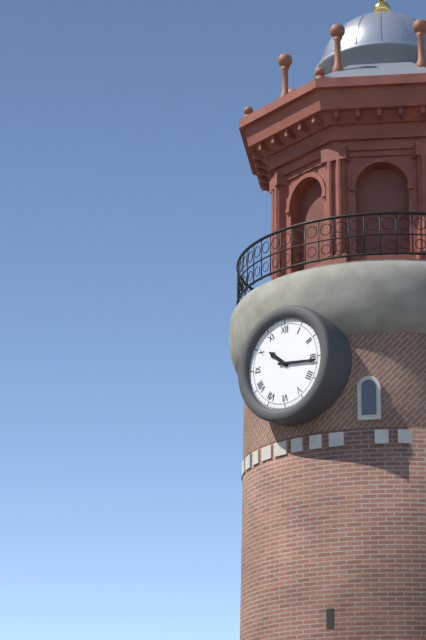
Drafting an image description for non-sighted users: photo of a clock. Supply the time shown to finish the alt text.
10:16
